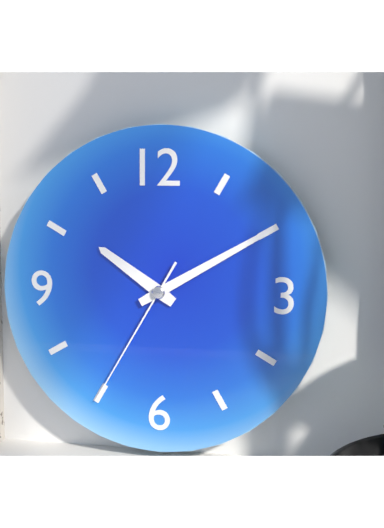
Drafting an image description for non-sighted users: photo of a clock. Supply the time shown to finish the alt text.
10:10:35
